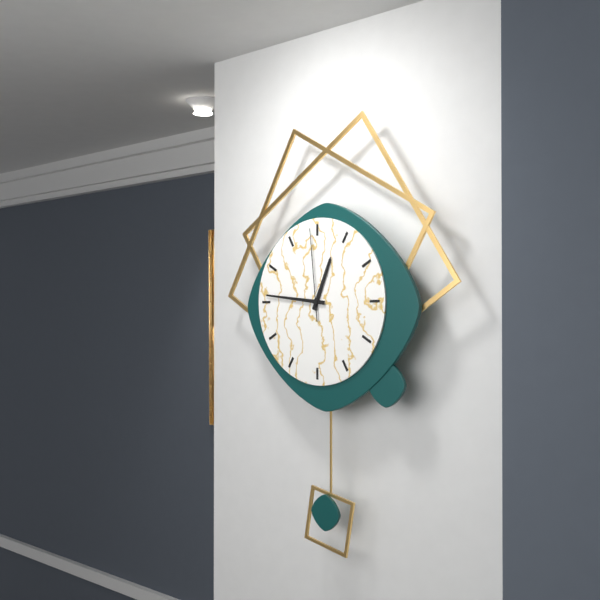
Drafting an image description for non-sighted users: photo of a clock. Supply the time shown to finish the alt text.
12:46:59
